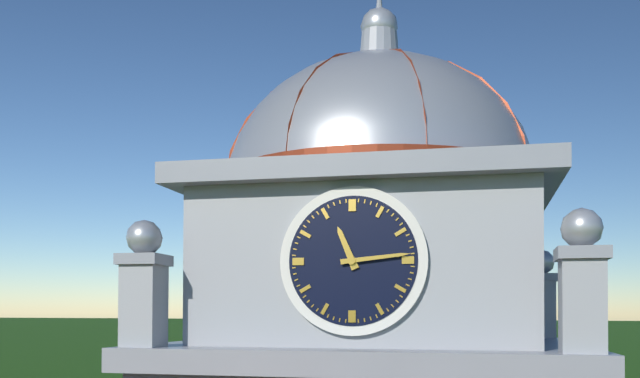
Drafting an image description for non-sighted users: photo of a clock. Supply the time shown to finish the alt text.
11:14
